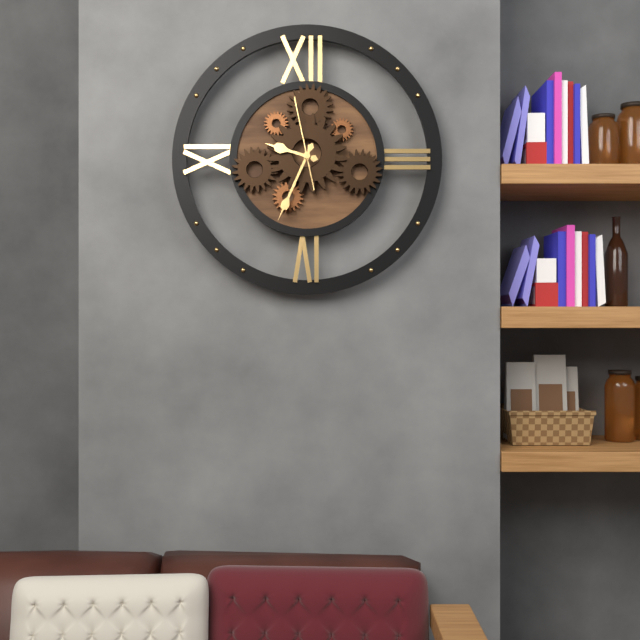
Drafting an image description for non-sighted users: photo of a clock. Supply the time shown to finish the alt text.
9:34:58
